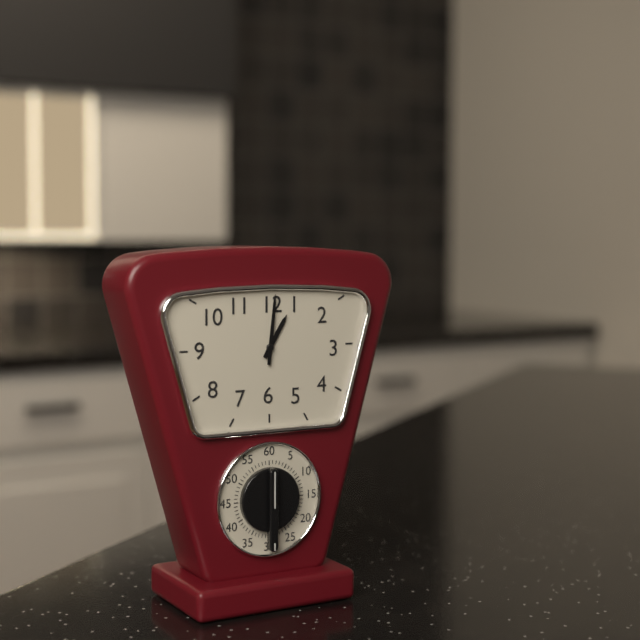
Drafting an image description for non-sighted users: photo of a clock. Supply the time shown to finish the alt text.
1:01
